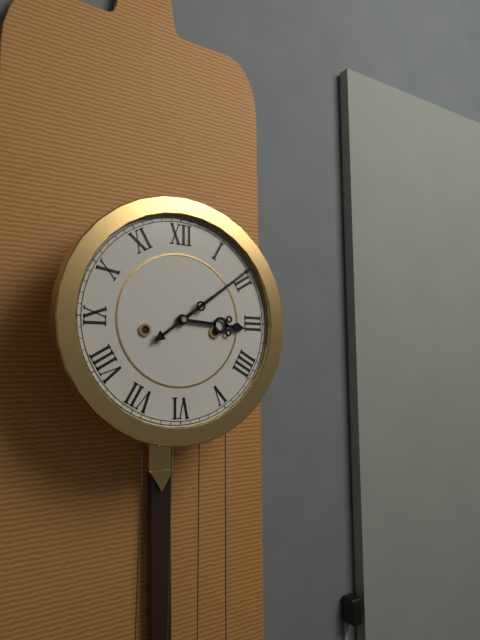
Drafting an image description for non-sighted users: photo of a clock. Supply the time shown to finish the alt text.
3:09
